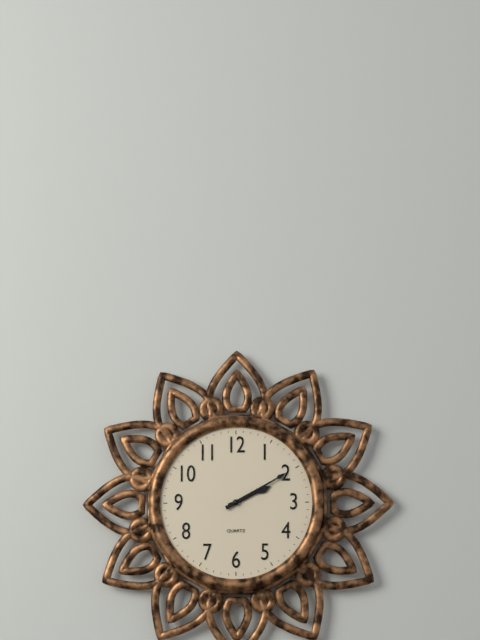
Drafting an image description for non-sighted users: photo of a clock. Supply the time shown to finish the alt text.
2:10
